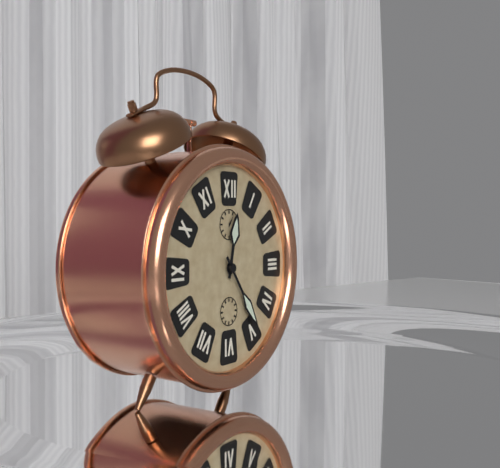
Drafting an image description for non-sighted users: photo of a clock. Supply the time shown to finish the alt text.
12:24
